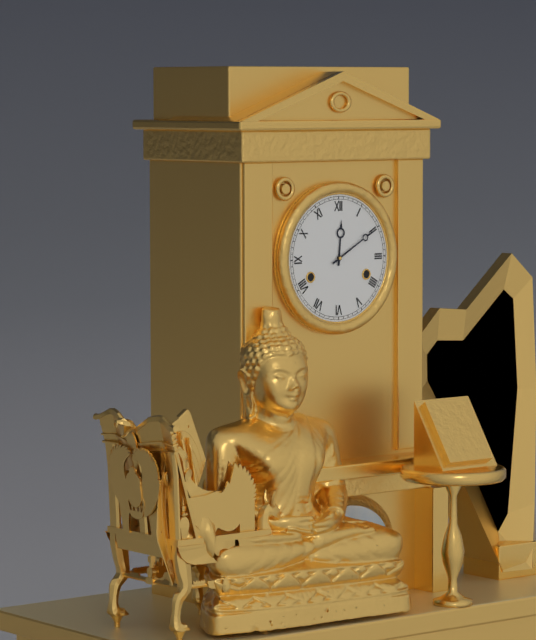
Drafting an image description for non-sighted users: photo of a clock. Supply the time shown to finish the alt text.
12:10
